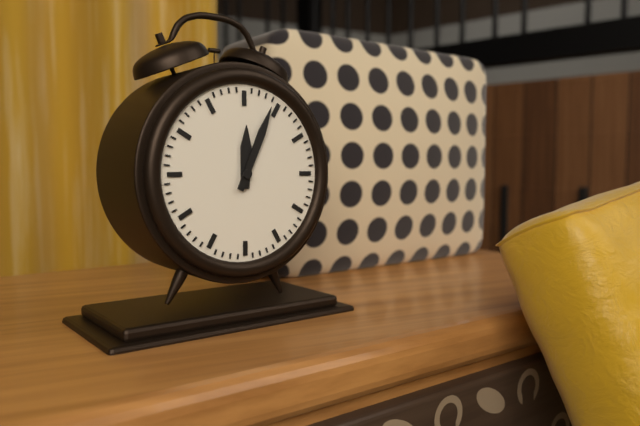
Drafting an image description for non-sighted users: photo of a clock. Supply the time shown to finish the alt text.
12:04
